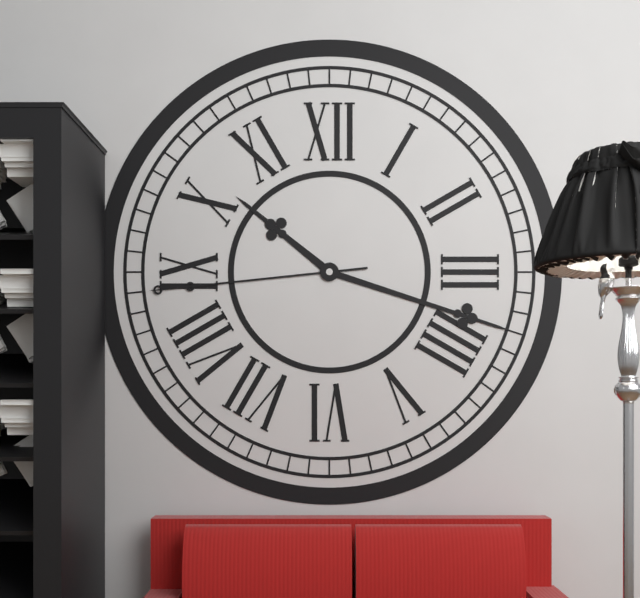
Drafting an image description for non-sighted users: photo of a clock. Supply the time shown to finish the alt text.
10:18:44
